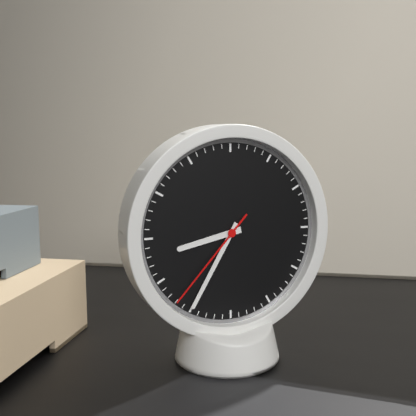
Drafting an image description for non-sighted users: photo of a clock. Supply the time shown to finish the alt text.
8:35:37
